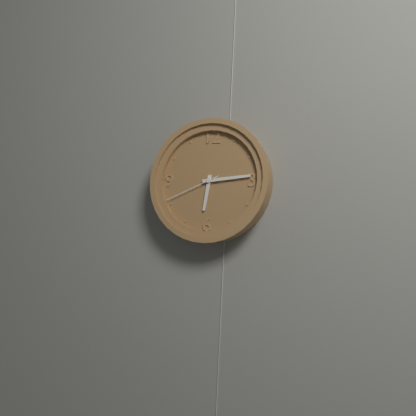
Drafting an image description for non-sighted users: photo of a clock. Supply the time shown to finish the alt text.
6:14:41
